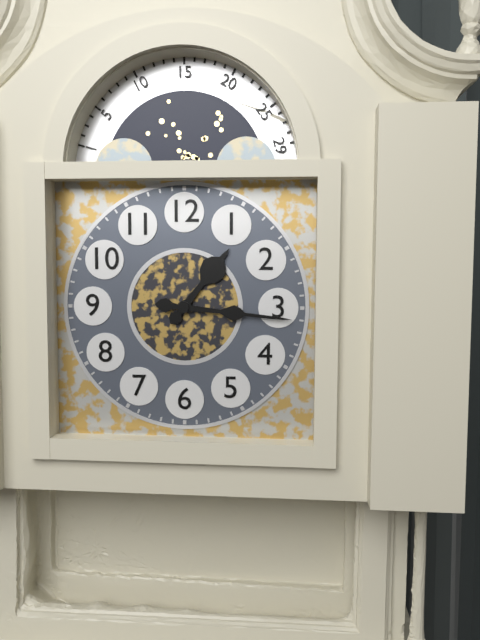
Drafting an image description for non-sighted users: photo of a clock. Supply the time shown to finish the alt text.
1:16
